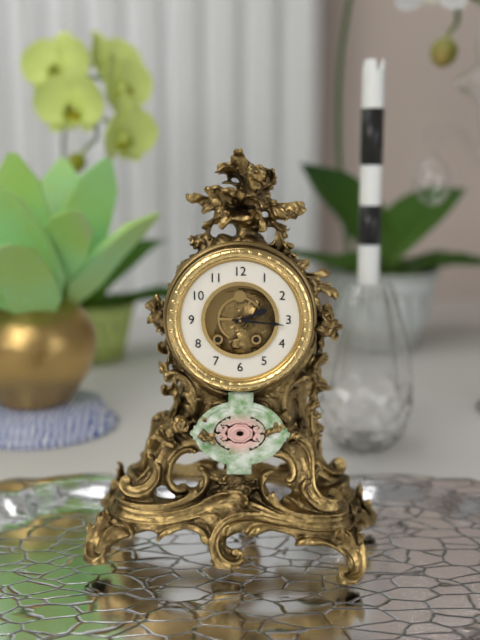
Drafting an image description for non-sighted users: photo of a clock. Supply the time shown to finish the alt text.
2:16
